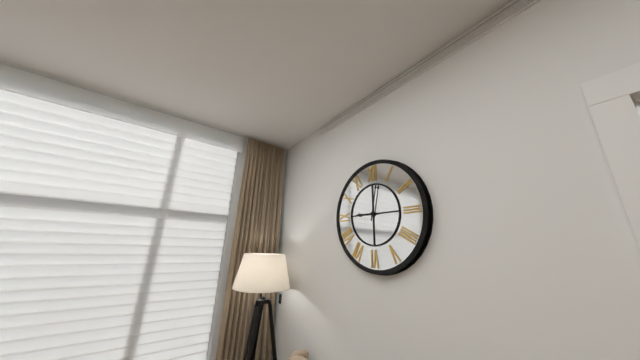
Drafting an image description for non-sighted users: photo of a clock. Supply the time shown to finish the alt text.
9:02
